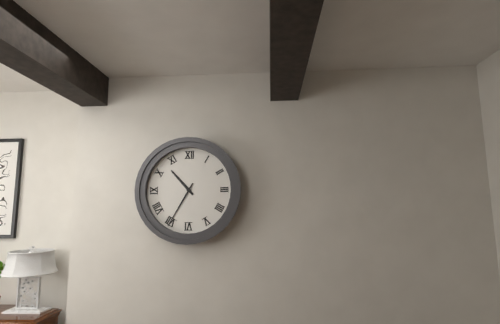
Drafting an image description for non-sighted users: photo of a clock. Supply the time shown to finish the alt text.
10:35
